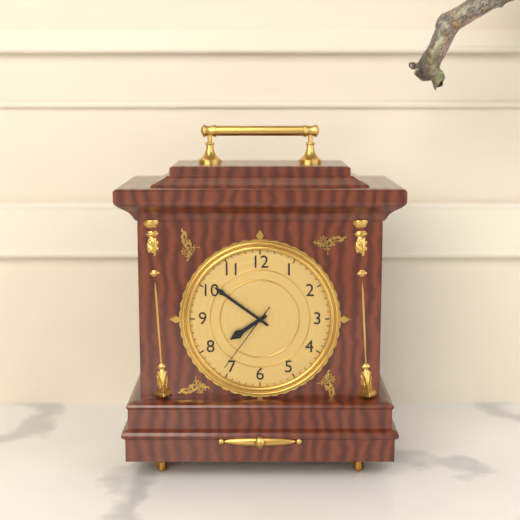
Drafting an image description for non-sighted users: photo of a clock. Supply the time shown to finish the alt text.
7:51:36
